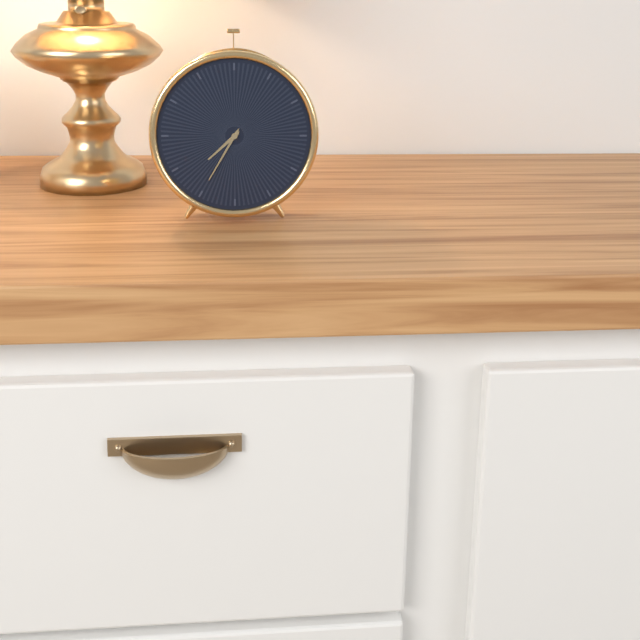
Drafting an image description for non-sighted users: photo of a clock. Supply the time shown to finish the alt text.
7:35
